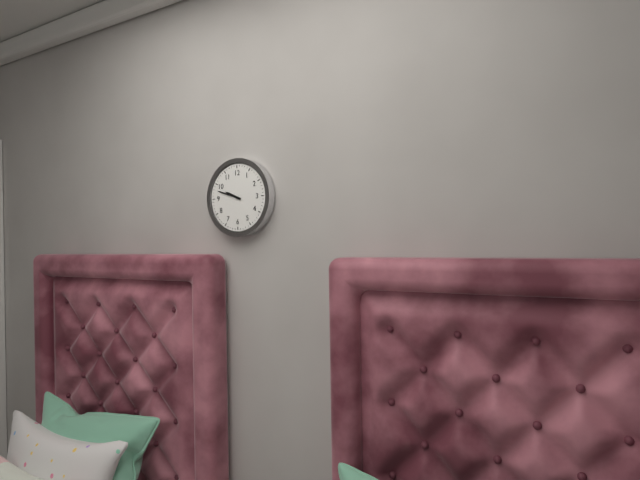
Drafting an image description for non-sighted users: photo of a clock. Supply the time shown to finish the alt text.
9:48
